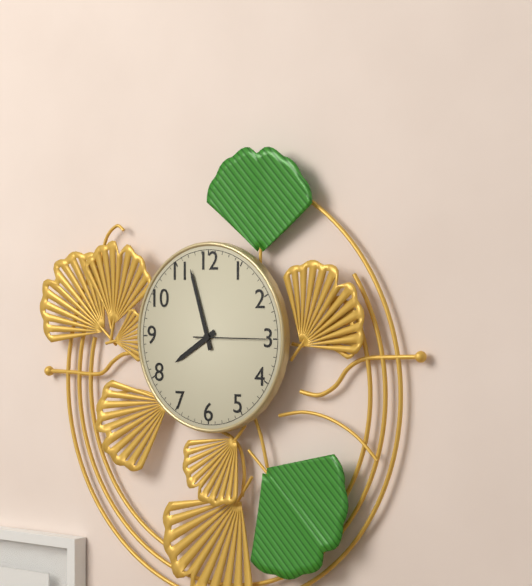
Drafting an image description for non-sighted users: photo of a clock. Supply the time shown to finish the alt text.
7:57:15
